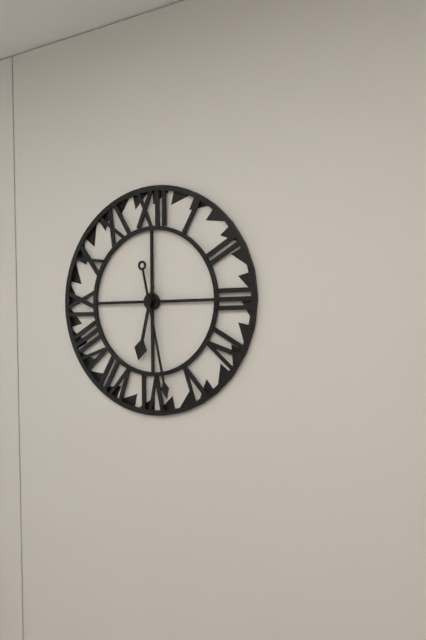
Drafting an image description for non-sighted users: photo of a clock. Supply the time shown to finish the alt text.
6:28
